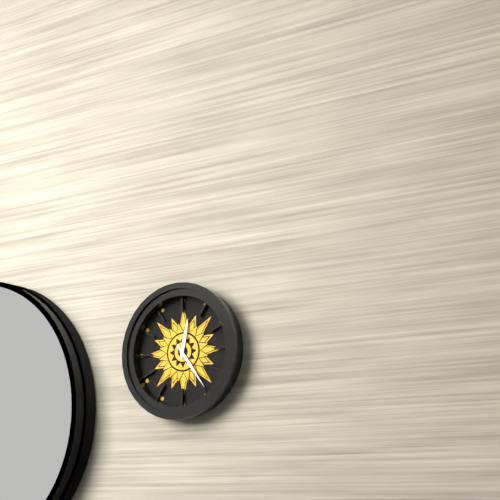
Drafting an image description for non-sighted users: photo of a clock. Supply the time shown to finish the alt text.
12:24
